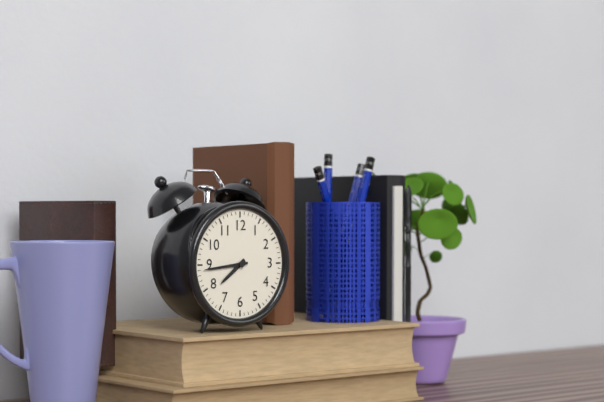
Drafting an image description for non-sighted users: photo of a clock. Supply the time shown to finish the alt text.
7:44
